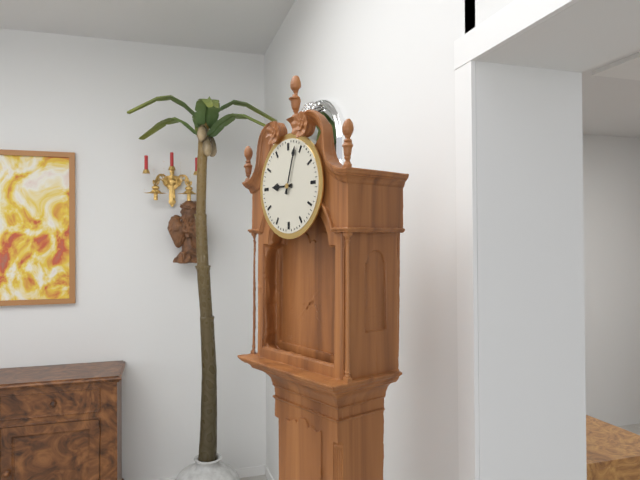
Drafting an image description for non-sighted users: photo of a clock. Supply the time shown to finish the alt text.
9:03
